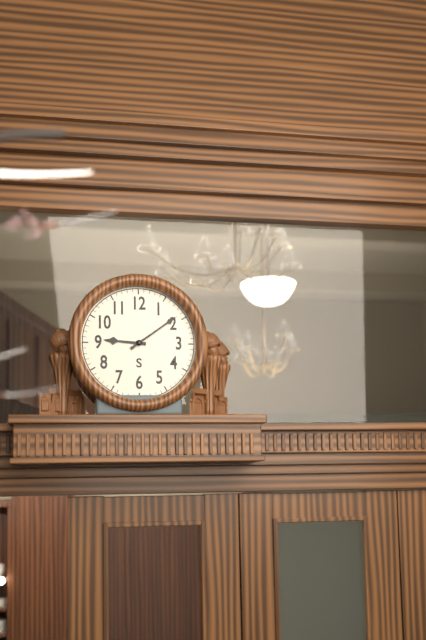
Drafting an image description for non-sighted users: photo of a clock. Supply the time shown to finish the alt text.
9:09
